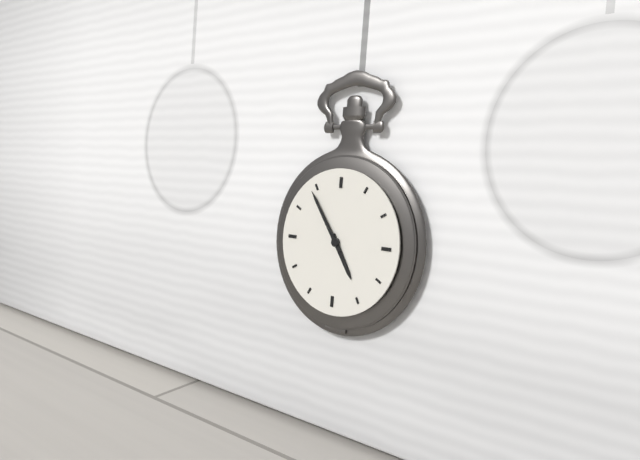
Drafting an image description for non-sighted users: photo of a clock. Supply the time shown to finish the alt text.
4:54
